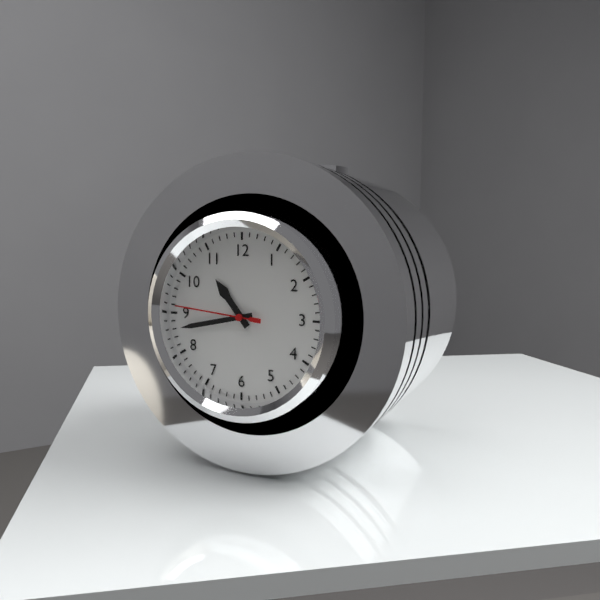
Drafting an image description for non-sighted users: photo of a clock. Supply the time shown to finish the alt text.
10:43:46
